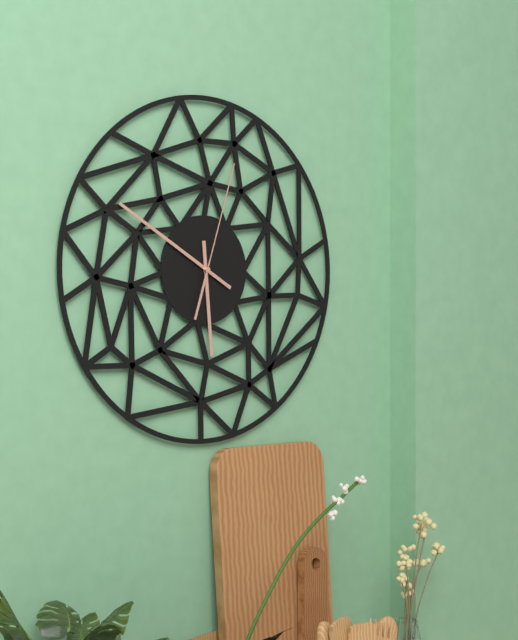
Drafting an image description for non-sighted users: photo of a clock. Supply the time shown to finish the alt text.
5:50:03
